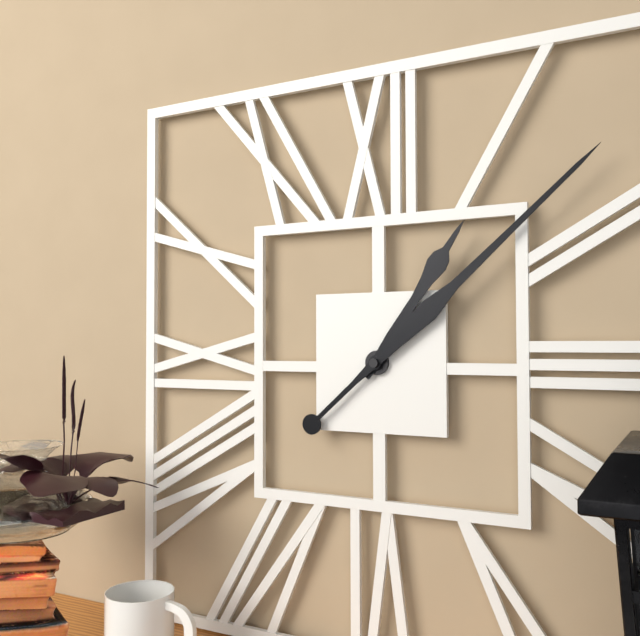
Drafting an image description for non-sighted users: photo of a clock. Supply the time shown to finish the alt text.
1:08
